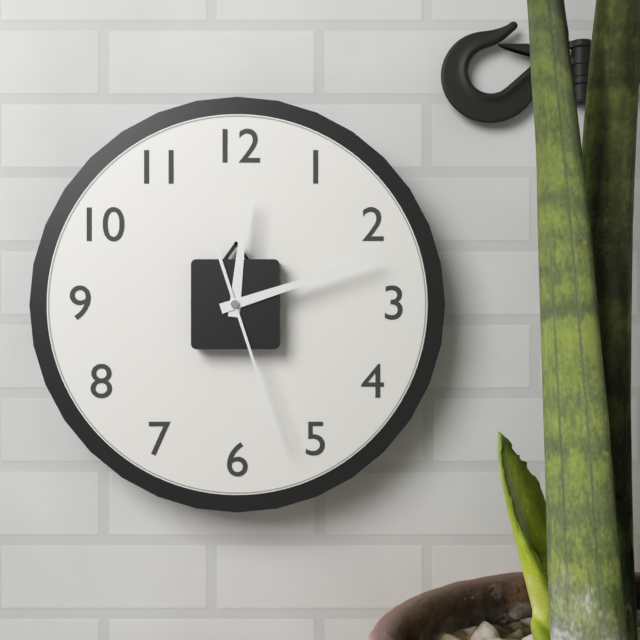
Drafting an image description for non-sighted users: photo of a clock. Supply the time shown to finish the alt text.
12:12:27
